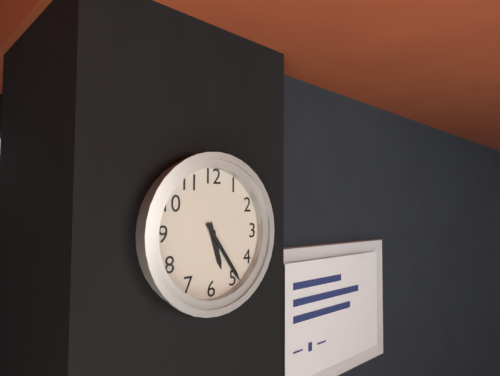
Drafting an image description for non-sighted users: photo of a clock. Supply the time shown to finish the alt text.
5:24
